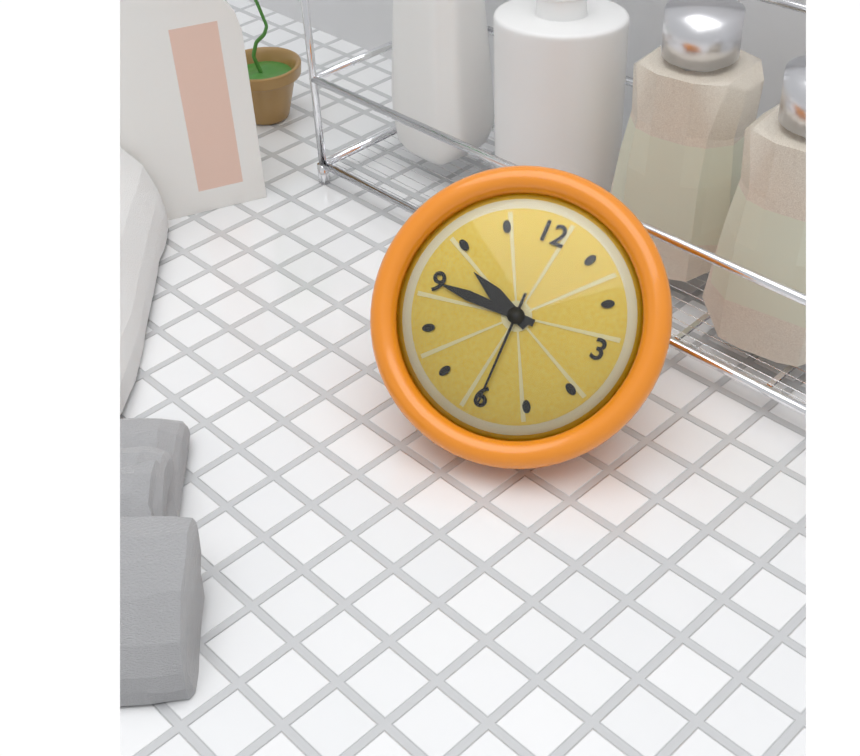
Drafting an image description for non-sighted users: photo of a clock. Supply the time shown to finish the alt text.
9:45:30
